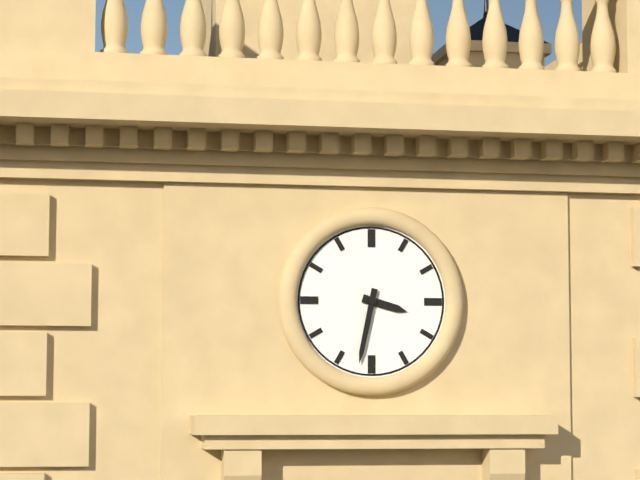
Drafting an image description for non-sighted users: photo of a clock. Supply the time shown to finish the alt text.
3:32
